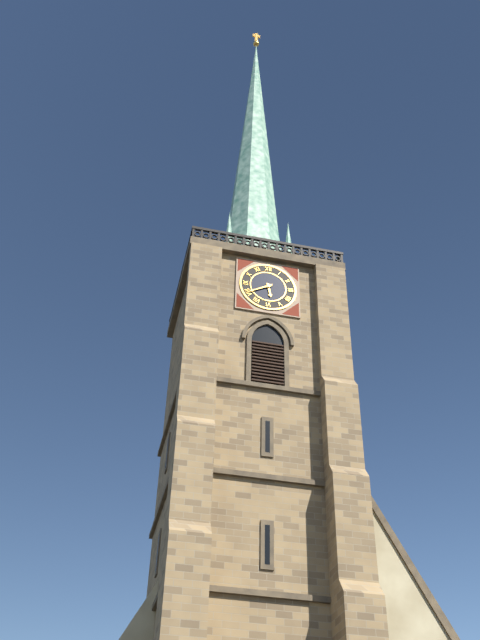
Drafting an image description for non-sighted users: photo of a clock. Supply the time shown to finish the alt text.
5:40
